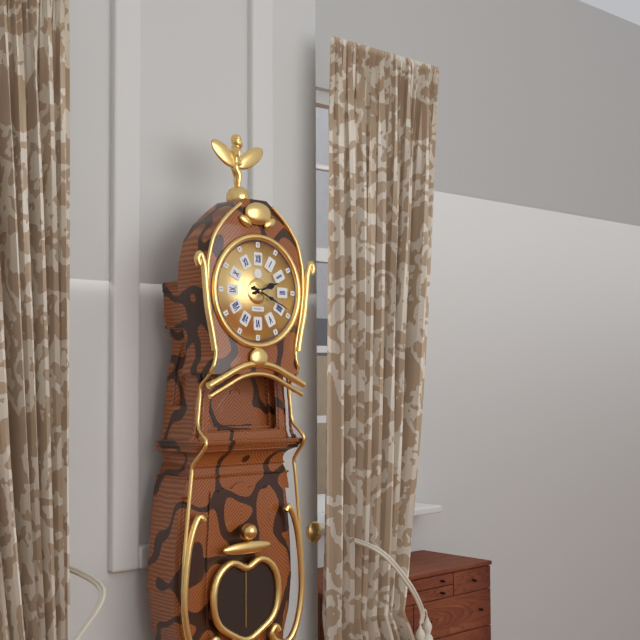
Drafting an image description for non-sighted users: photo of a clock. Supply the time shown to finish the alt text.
2:19
